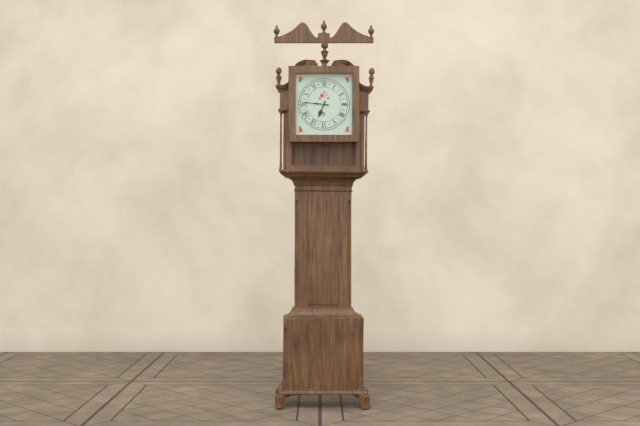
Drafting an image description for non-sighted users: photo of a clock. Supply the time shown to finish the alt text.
6:46
